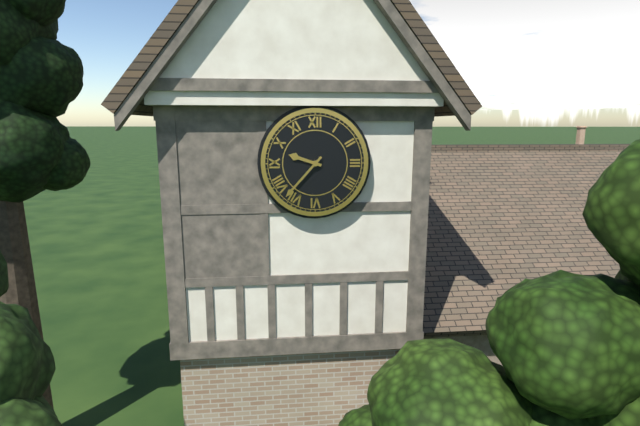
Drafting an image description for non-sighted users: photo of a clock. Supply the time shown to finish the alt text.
9:37
